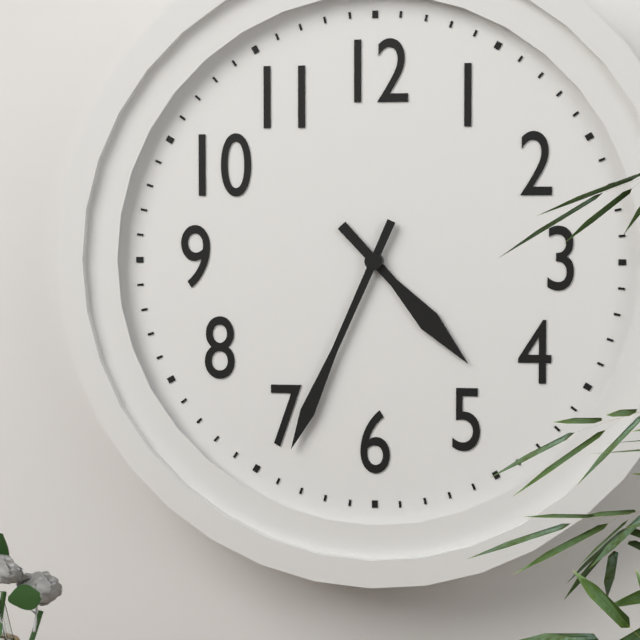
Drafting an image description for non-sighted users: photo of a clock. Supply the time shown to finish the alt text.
4:34
